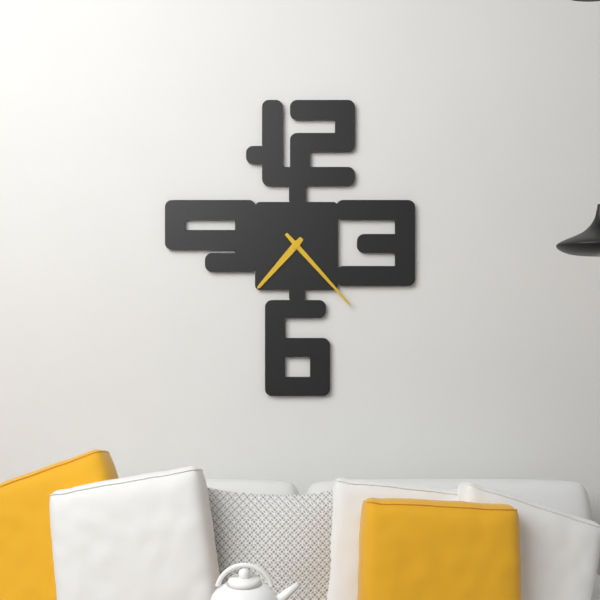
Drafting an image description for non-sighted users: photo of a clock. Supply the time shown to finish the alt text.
7:23
